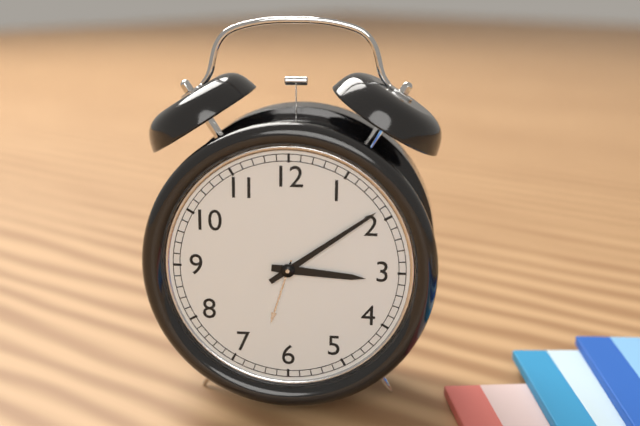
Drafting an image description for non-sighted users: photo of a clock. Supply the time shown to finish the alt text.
3:09
